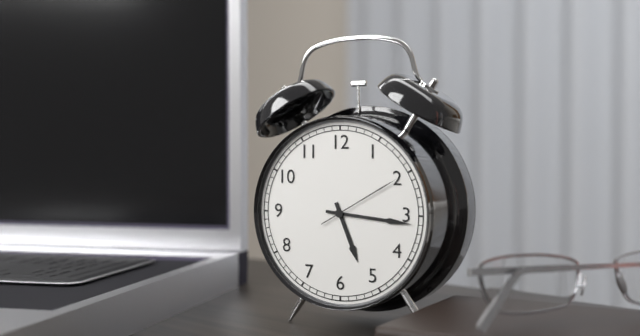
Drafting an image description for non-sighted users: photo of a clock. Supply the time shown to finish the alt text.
5:16:10
